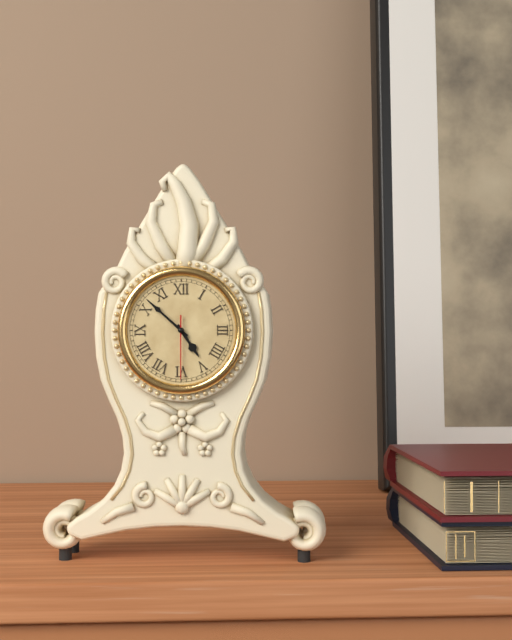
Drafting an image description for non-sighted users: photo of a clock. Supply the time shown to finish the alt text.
4:52:30
